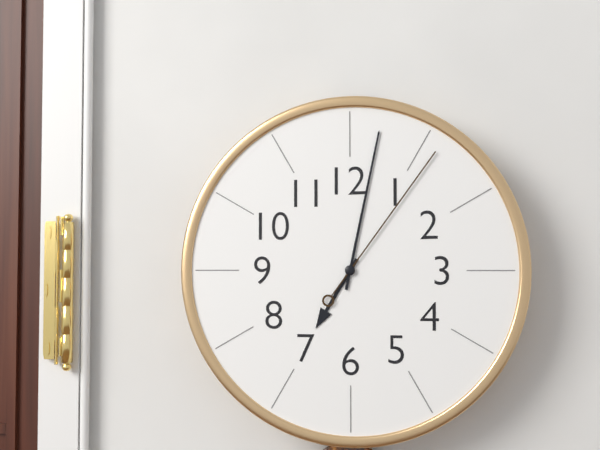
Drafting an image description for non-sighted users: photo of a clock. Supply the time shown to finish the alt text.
7:02:06
